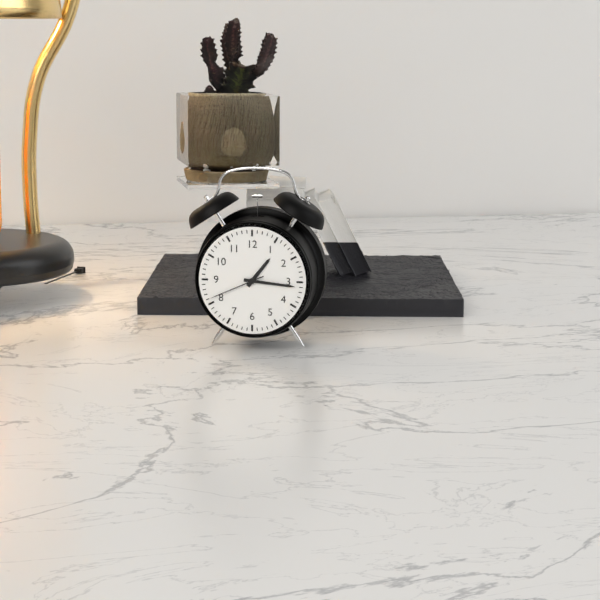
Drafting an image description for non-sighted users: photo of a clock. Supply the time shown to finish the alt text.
1:16:41
